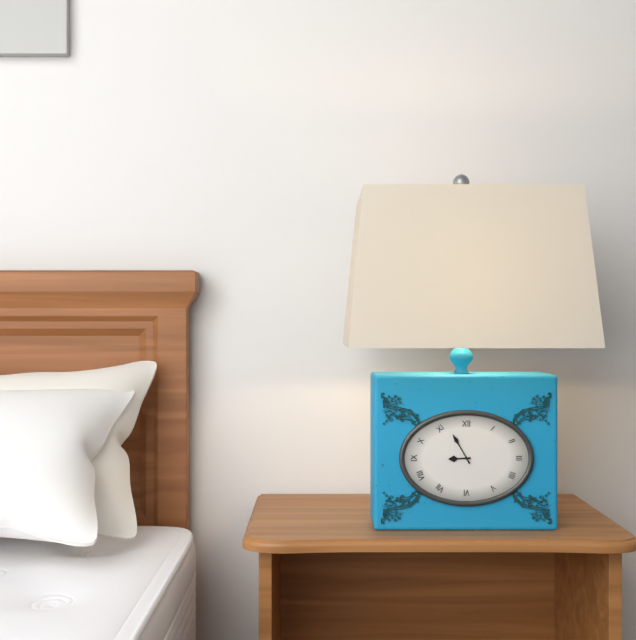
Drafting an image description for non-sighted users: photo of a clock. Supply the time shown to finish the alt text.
8:55
